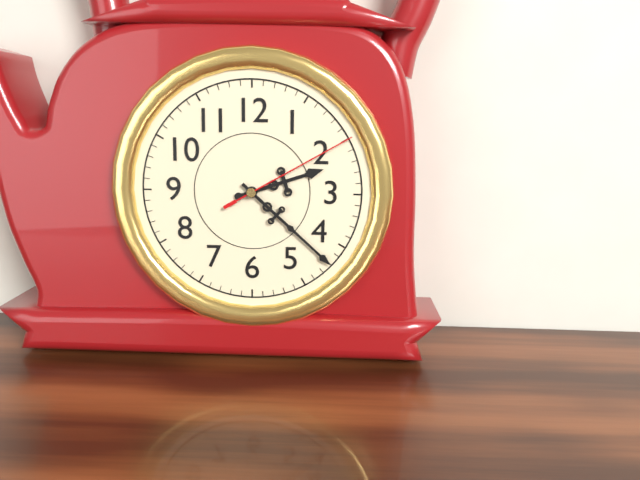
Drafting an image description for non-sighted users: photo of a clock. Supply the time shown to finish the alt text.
2:22:10
